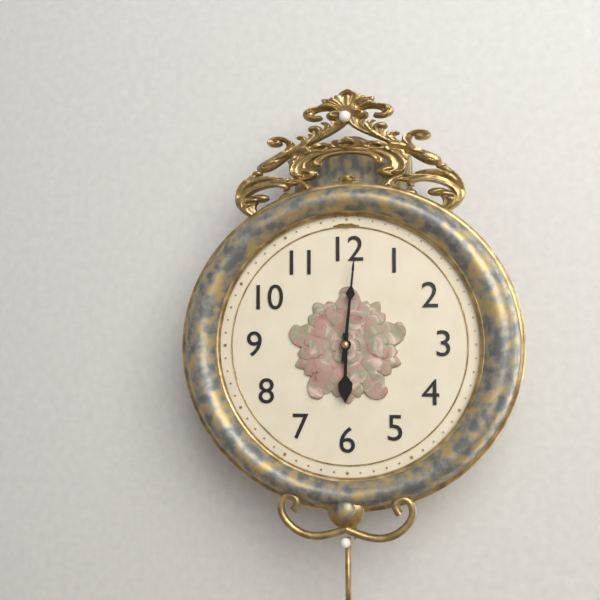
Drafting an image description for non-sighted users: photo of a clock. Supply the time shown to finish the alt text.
6:01
